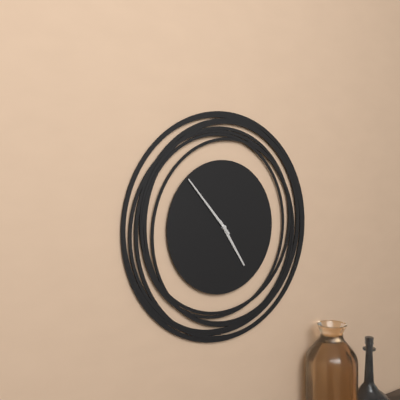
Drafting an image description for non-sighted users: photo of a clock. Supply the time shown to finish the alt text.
4:53
